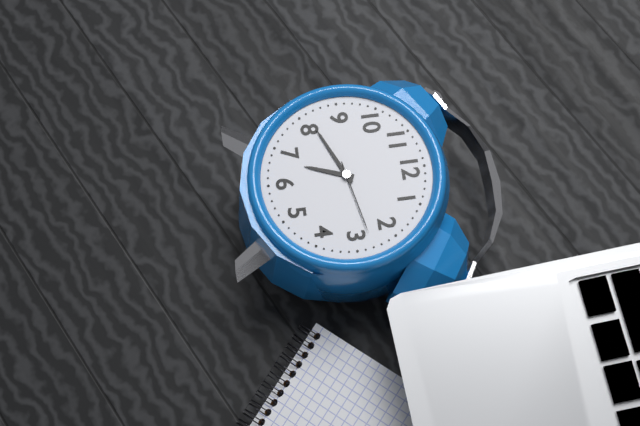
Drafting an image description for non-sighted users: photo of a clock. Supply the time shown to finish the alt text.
6:41:13
